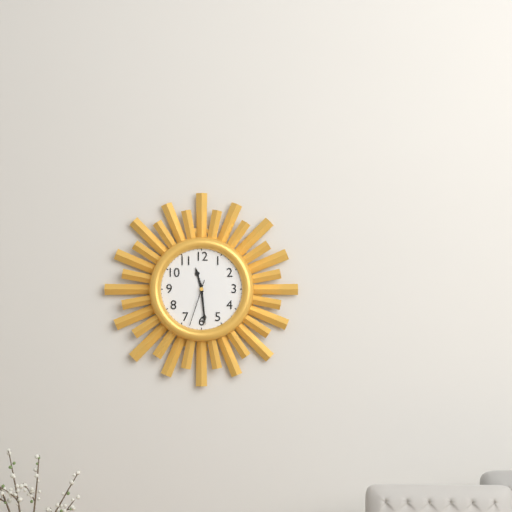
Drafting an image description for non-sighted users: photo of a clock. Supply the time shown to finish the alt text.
11:29
